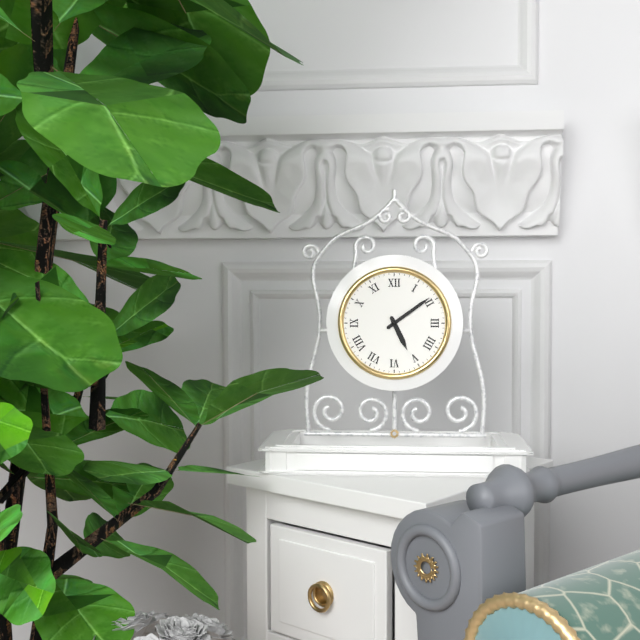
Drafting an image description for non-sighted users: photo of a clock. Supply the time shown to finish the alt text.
5:09
